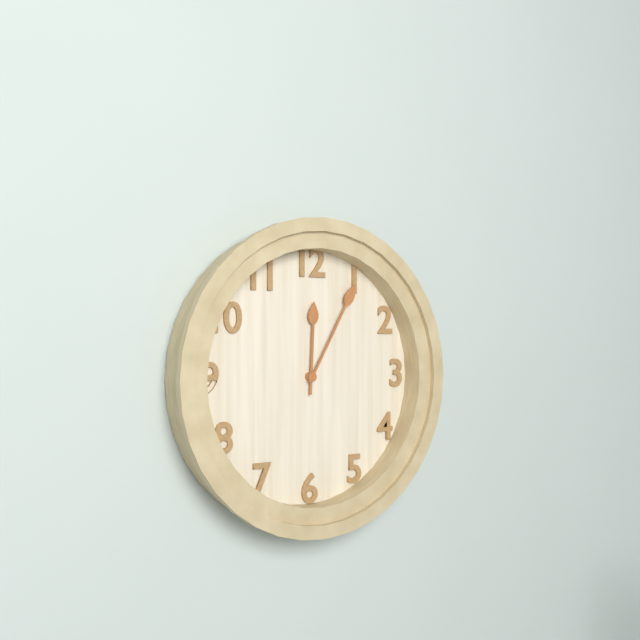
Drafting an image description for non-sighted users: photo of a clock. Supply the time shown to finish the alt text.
12:05
